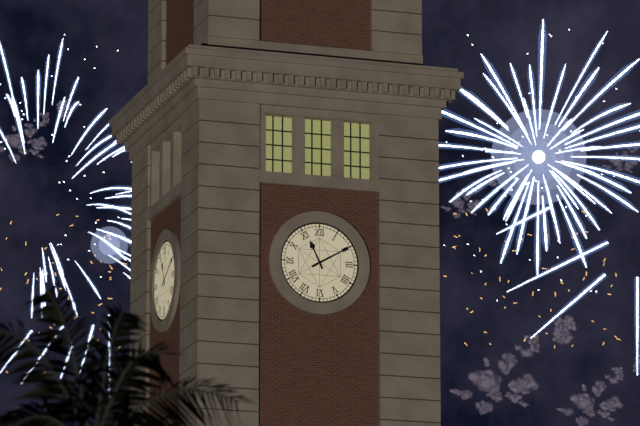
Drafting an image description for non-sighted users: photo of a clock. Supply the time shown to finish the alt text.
11:10
